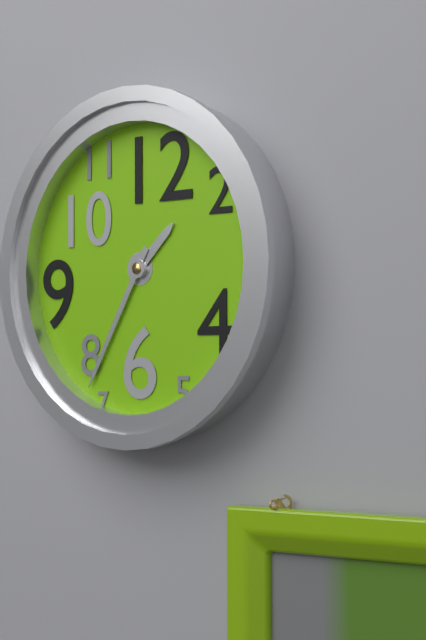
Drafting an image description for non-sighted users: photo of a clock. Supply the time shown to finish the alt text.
1:35
